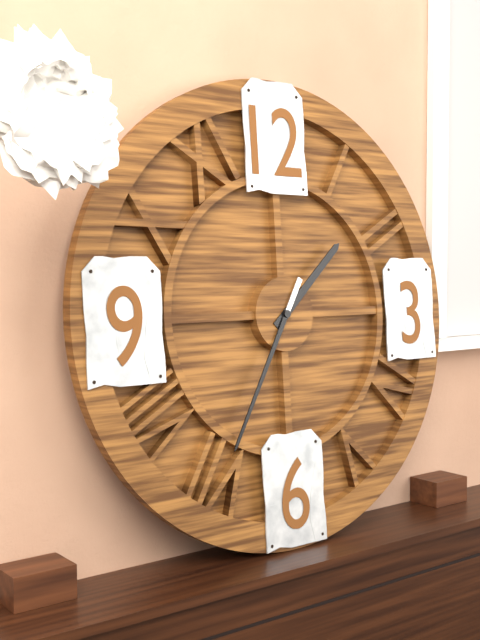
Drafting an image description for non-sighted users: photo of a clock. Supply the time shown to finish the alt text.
1:35
